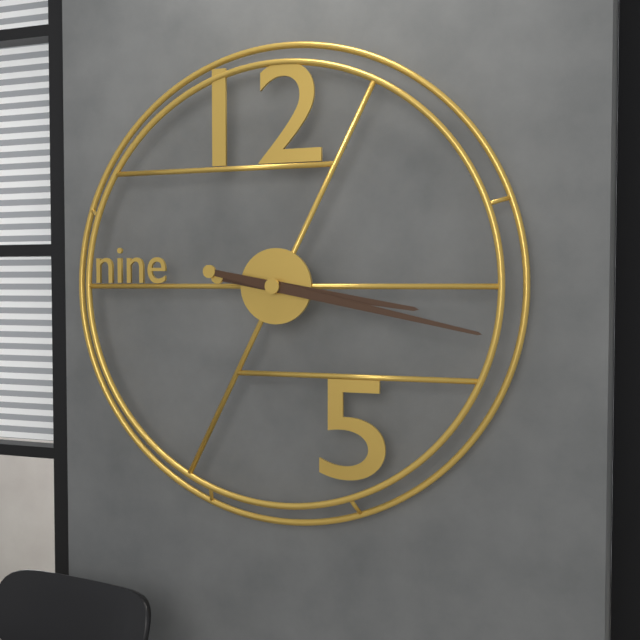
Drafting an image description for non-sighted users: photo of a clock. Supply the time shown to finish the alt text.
3:17
